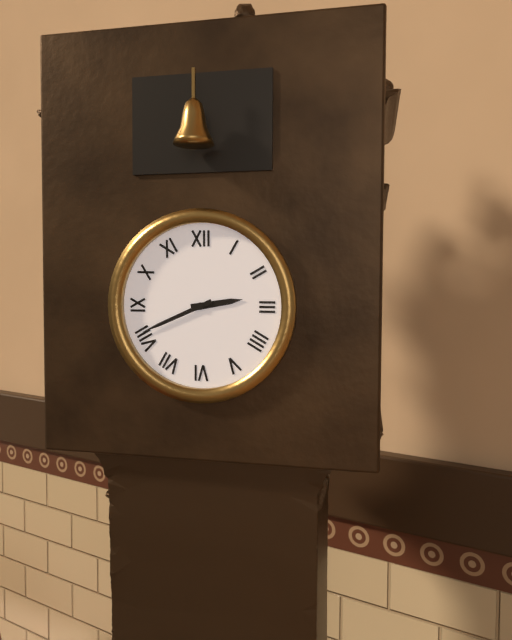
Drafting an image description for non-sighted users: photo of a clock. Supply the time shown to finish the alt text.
2:41
